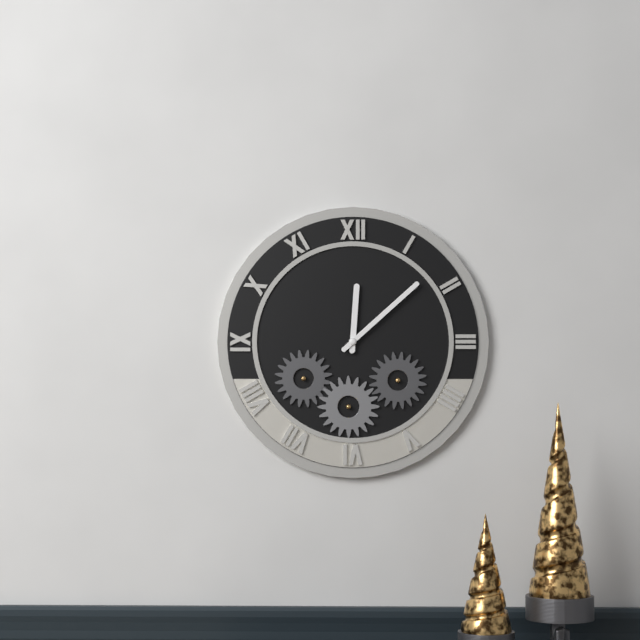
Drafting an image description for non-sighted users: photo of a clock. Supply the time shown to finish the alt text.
12:08
